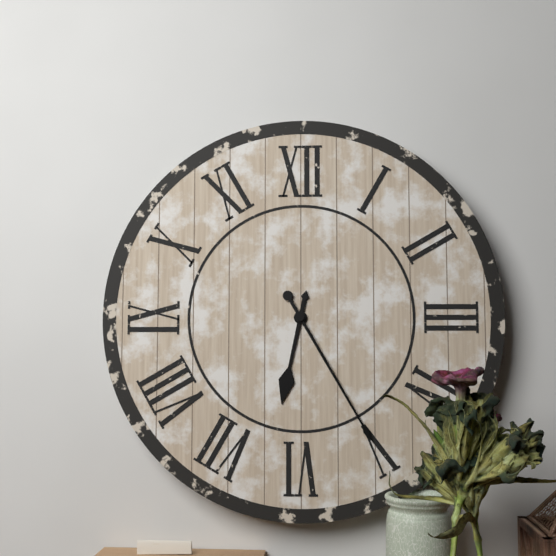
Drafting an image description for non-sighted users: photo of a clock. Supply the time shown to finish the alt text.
6:25
